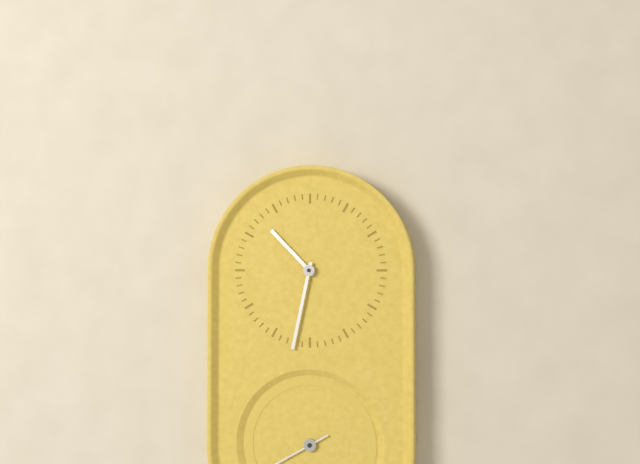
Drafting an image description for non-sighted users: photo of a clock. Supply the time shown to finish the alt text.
10:32
